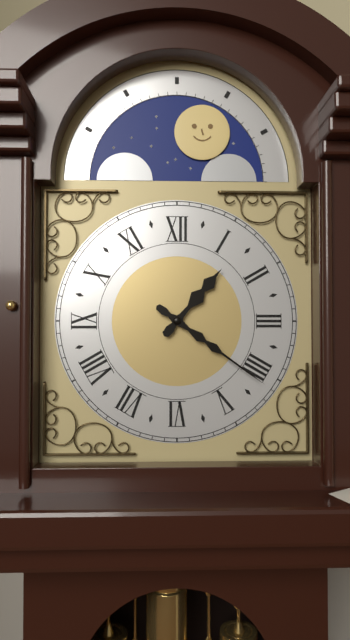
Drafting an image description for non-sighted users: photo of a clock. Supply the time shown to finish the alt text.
1:21
